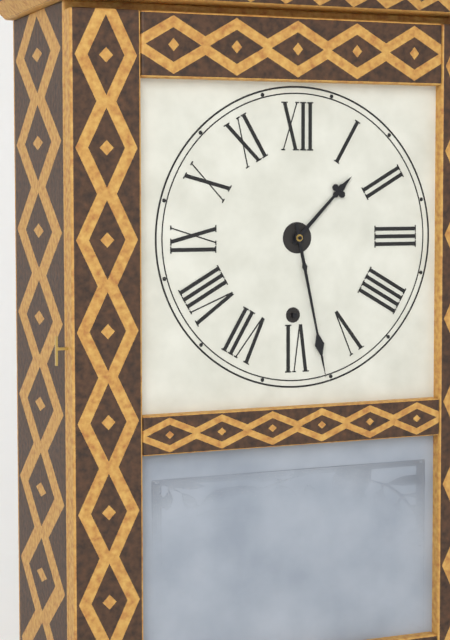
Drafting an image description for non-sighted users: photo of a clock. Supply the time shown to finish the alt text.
1:28
